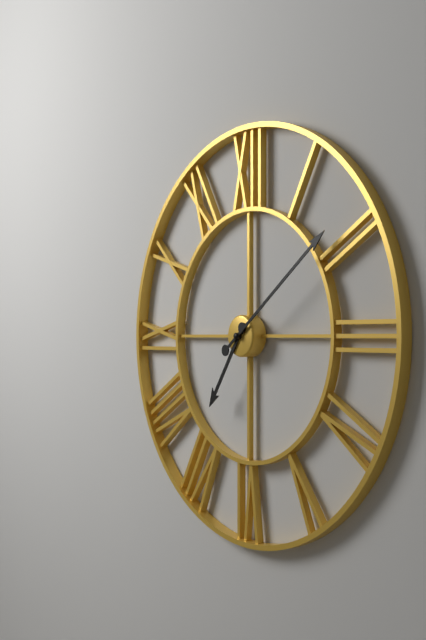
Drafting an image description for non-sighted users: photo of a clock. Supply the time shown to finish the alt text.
7:09
